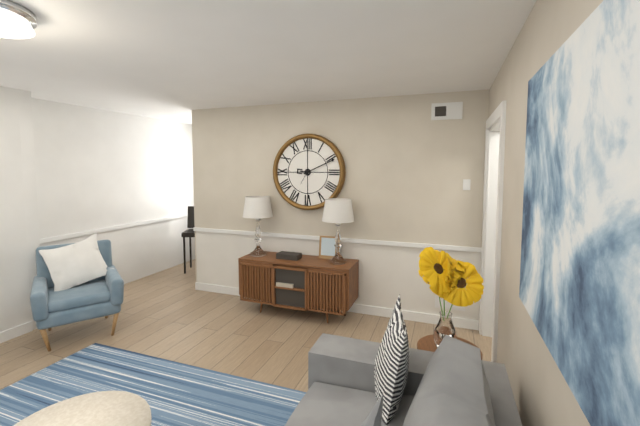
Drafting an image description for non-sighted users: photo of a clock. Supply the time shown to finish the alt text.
9:11
